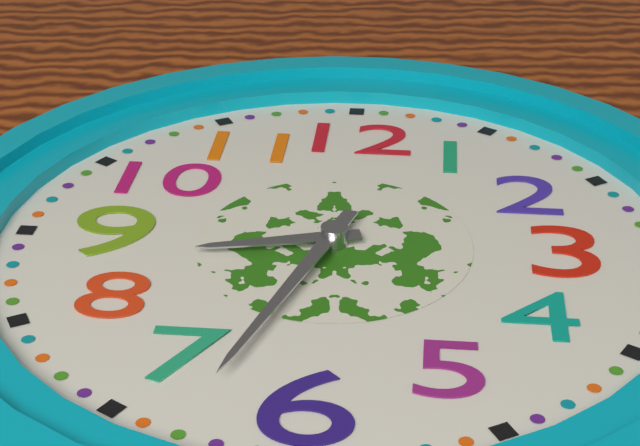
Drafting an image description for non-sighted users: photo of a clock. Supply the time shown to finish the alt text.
8:33
